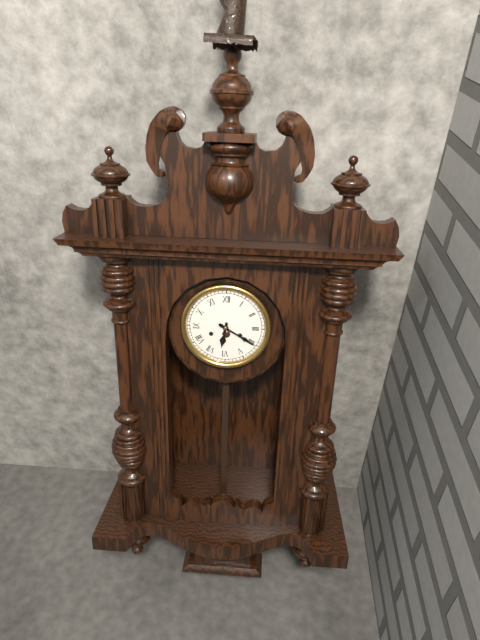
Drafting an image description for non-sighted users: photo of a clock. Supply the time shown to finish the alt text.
6:20
